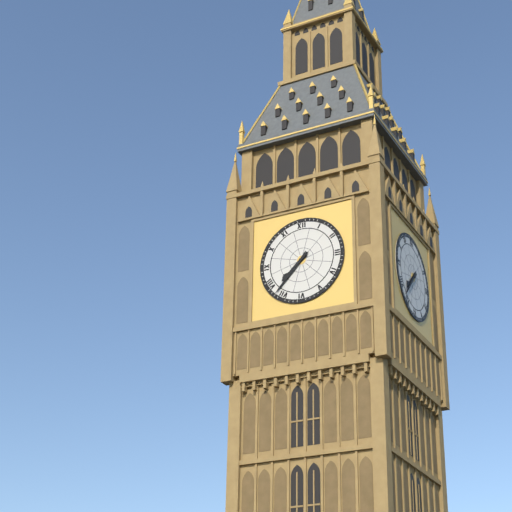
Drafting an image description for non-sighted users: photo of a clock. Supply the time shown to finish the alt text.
7:37
